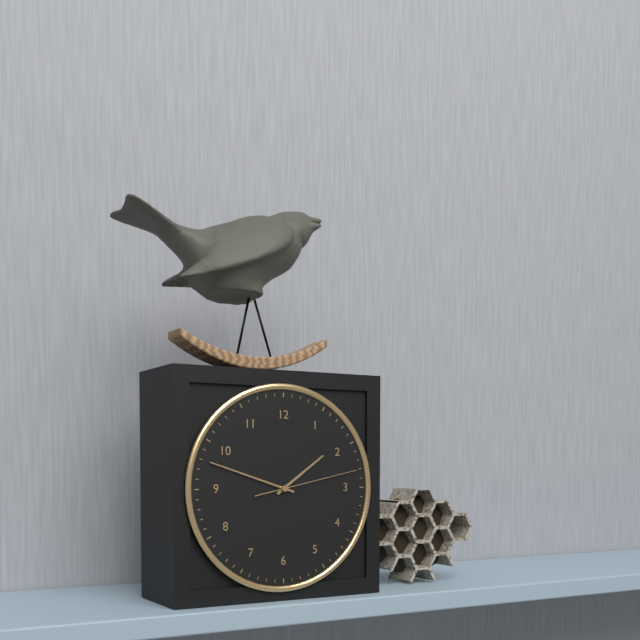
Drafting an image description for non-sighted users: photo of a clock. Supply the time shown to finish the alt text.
1:48:13
